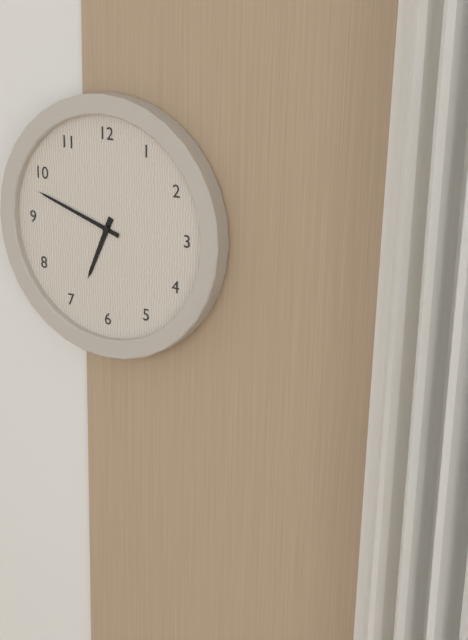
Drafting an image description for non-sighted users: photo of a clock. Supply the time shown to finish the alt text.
6:48
